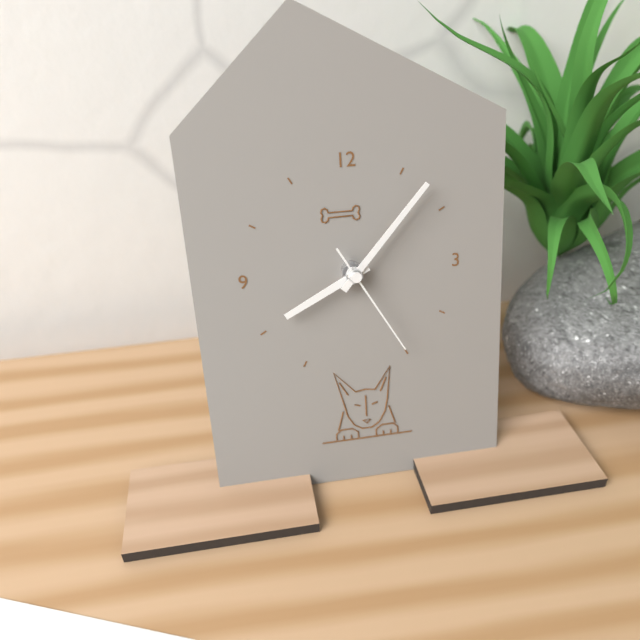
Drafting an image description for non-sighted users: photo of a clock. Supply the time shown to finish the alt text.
8:07:25
